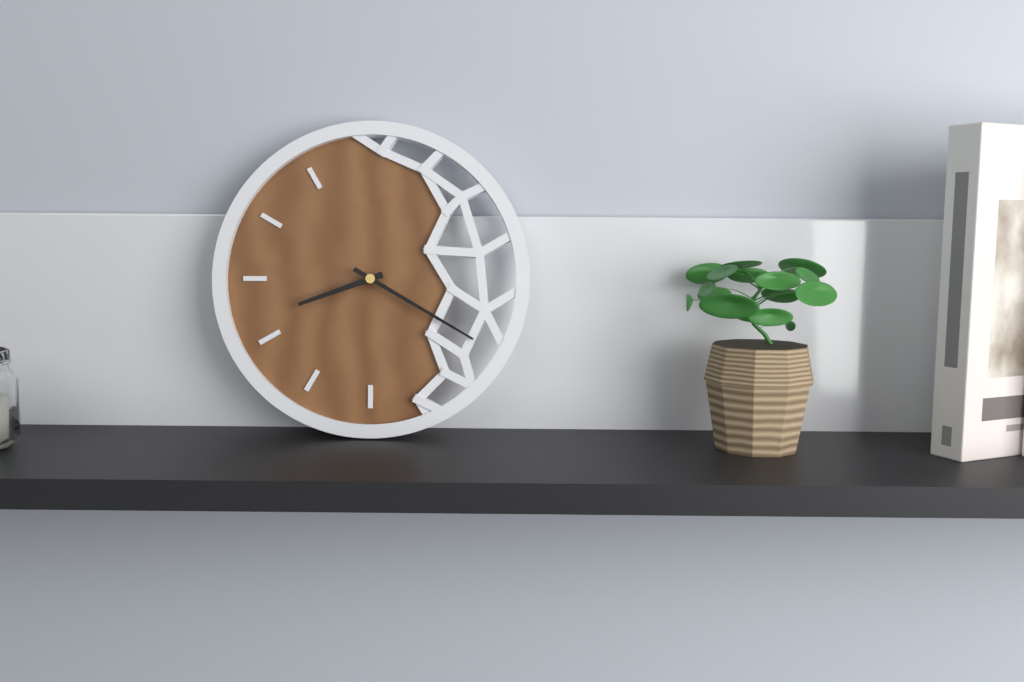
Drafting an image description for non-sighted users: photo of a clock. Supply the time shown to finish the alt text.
8:20
